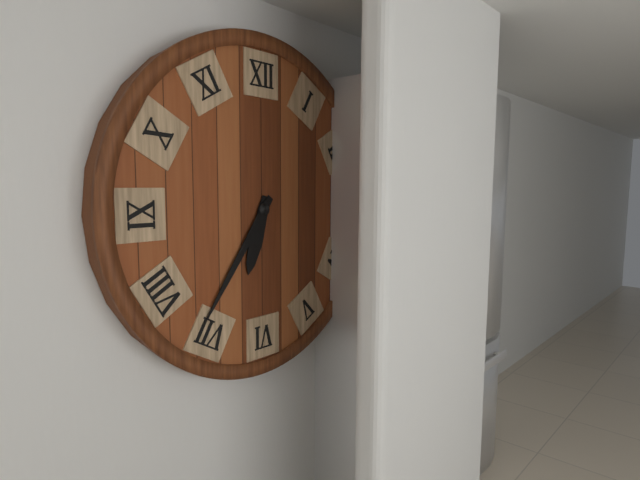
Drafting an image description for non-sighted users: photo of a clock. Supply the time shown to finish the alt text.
6:36
